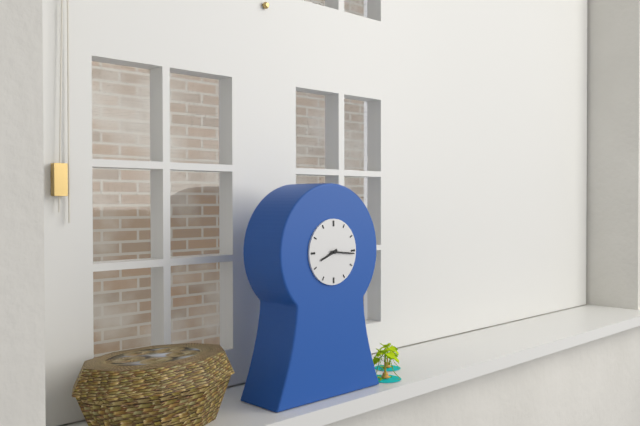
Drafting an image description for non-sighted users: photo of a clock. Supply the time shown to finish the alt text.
8:16
